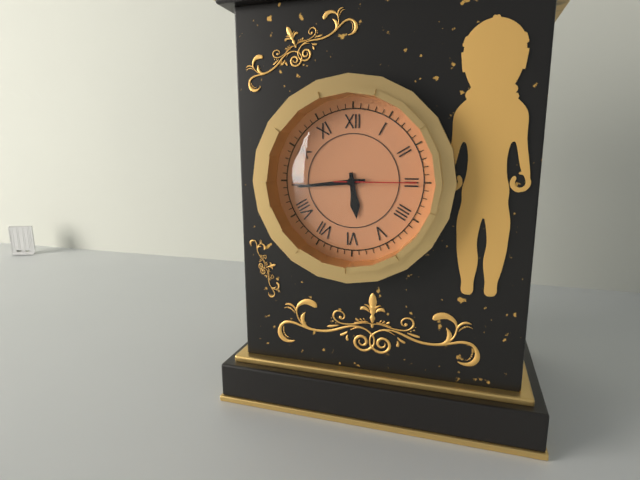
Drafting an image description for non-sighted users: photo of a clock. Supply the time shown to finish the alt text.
5:44:15
